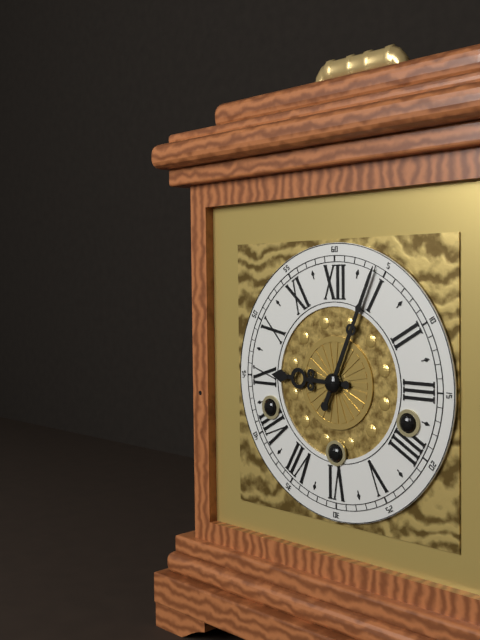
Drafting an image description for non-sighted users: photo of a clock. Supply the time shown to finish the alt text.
9:04
